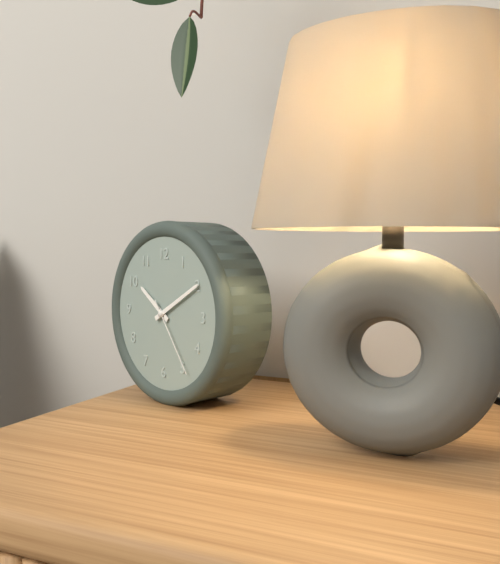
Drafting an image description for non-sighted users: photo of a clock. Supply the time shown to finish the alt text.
10:10:24
